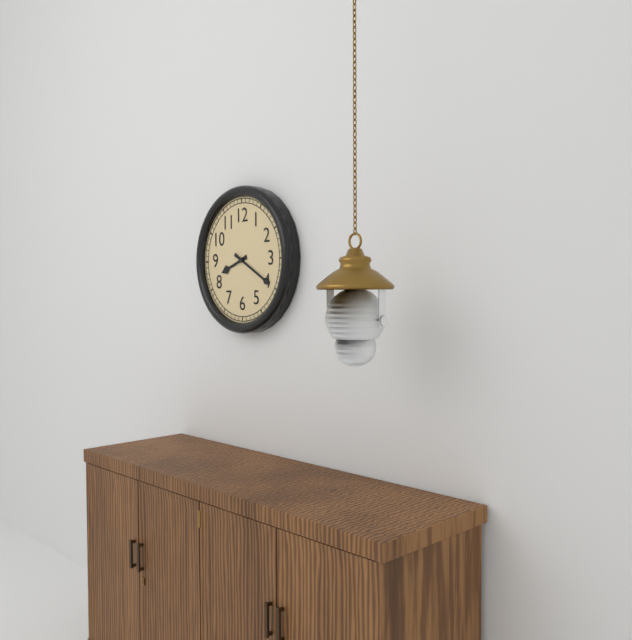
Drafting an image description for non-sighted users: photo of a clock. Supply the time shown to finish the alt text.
8:20
